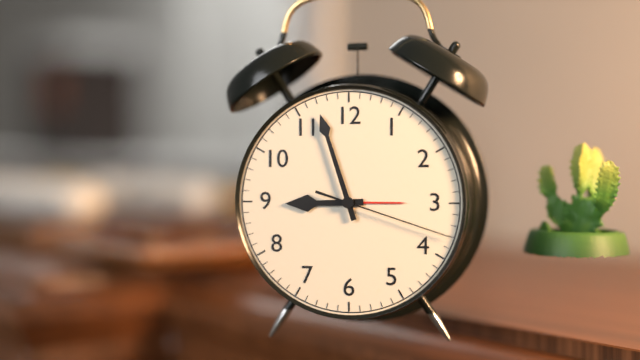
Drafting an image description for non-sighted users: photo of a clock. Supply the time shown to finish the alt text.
8:57:18
